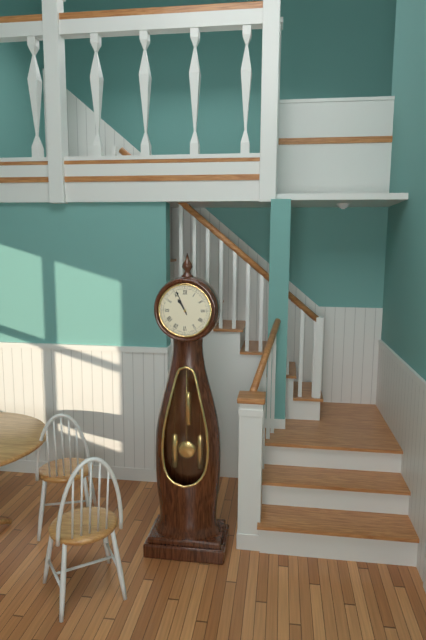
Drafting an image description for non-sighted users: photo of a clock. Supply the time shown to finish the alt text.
10:56
